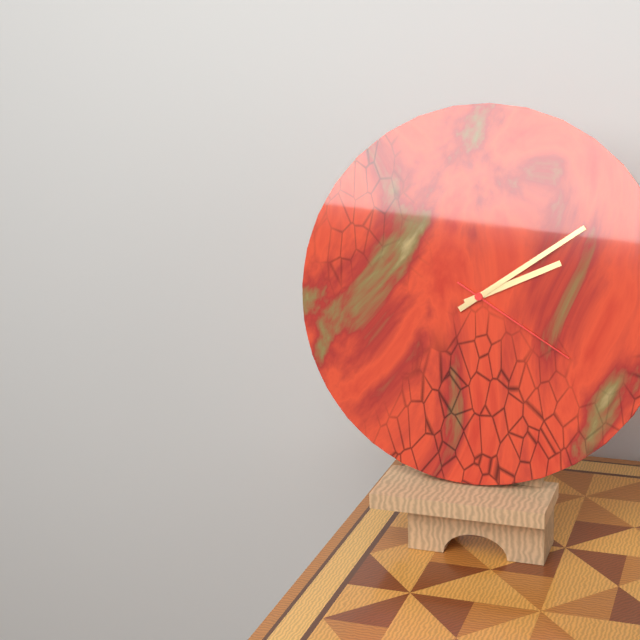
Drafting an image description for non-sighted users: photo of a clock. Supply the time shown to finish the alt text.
2:09:20
